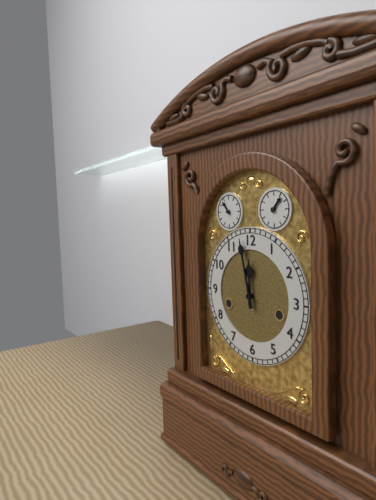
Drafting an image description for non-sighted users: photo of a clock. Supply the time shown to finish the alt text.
11:58
